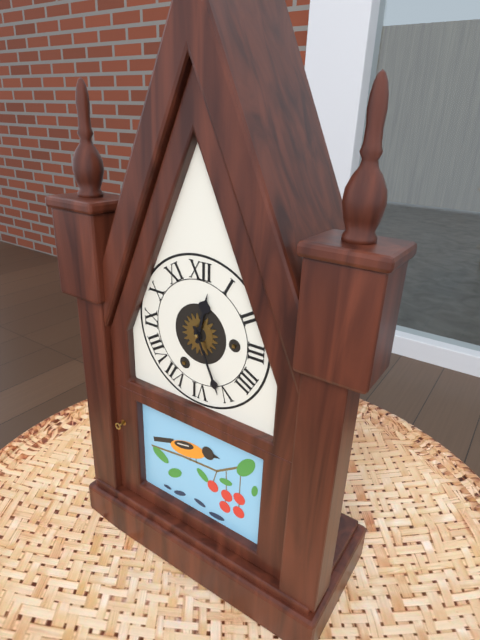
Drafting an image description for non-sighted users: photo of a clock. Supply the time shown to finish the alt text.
12:26
